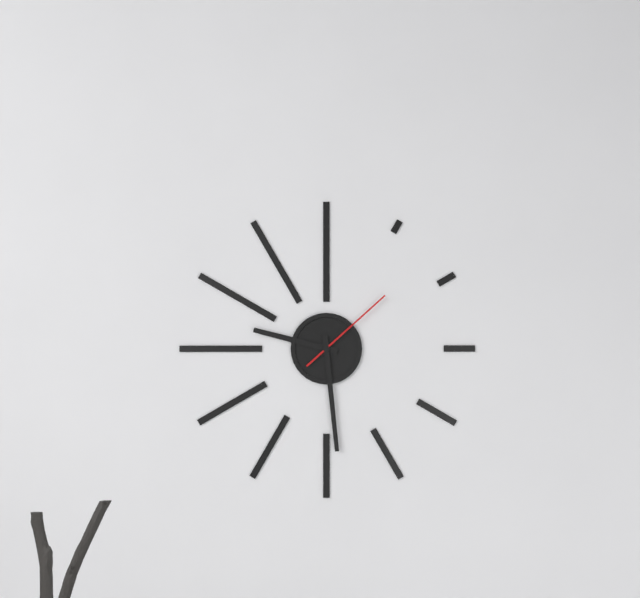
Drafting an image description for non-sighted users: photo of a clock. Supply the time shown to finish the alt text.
9:29:08
